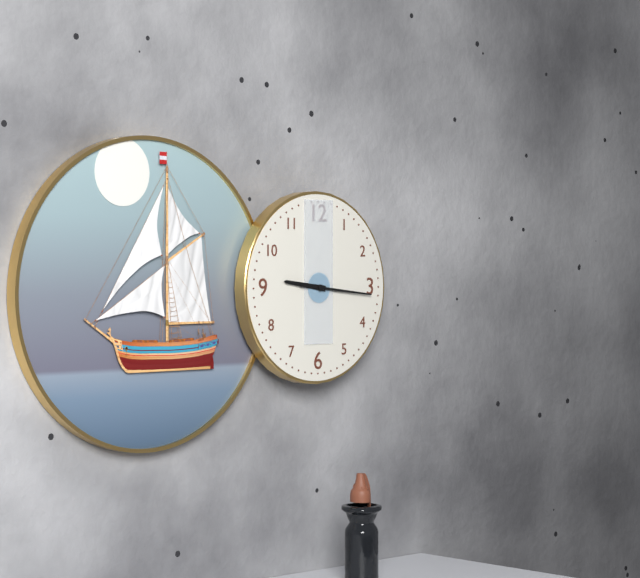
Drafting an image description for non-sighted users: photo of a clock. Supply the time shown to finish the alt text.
9:16
